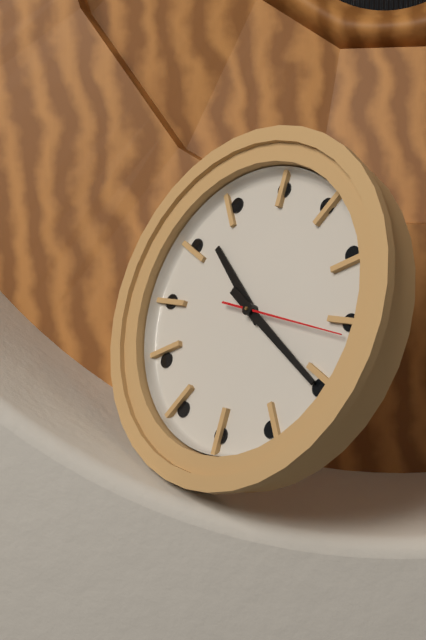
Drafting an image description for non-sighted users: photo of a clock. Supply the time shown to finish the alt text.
10:20:16
